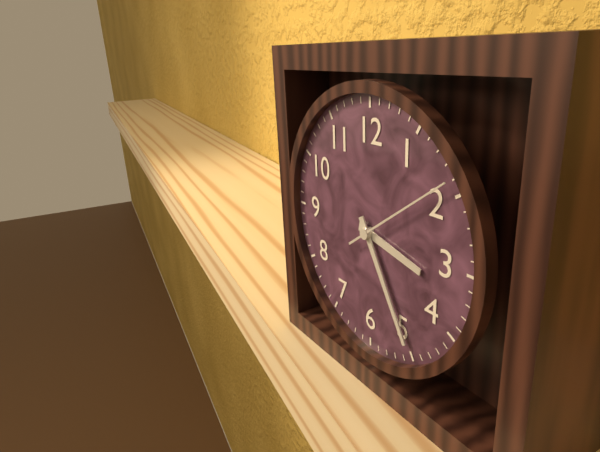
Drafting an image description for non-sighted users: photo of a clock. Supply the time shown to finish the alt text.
3:25:09
